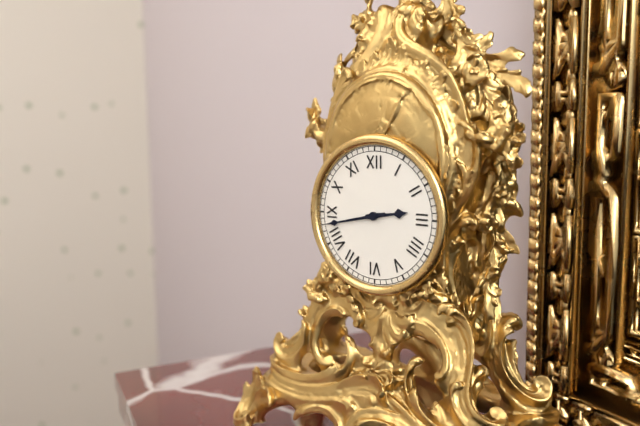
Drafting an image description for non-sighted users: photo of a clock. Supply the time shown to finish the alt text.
2:43
